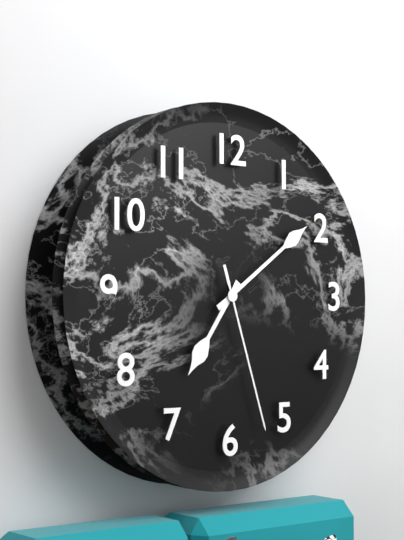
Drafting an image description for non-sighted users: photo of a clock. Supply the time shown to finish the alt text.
7:09:27
